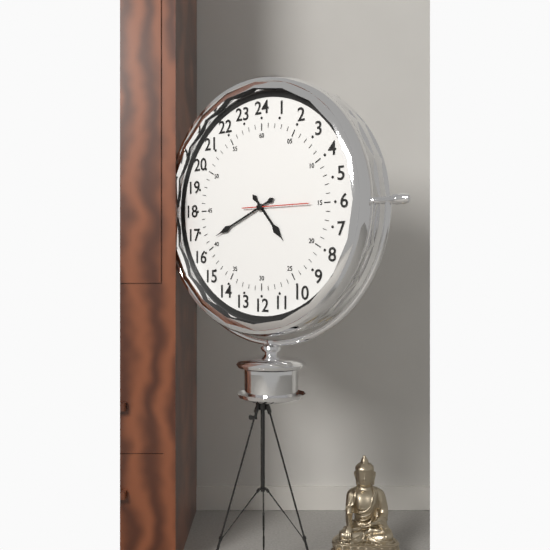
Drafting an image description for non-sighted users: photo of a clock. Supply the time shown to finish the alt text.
4:41:15
